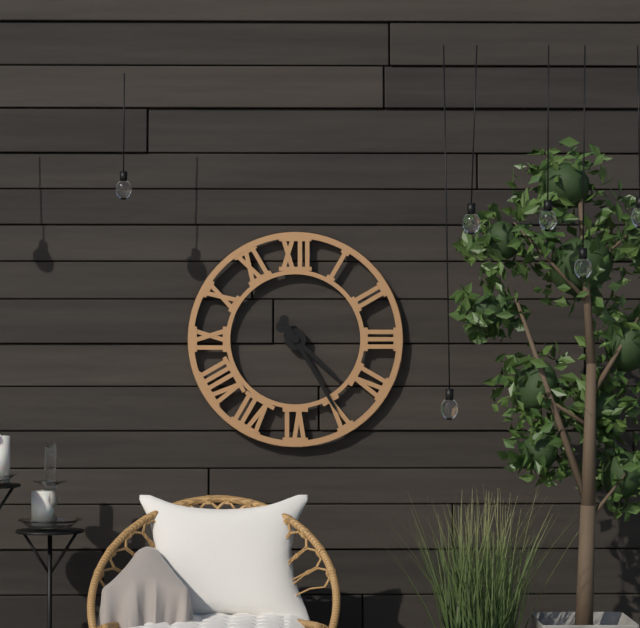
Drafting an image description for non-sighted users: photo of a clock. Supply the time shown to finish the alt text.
4:25
